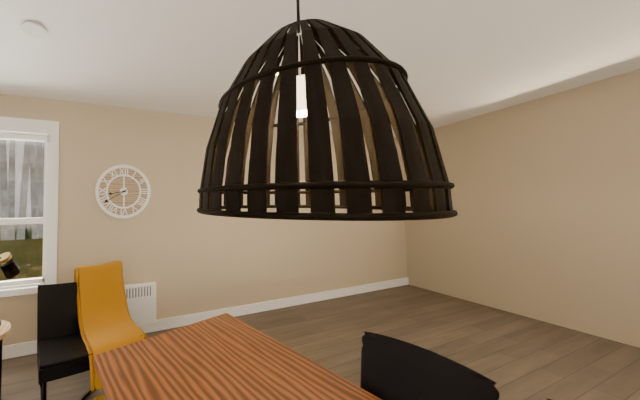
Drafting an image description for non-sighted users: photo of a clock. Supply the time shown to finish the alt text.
8:40
